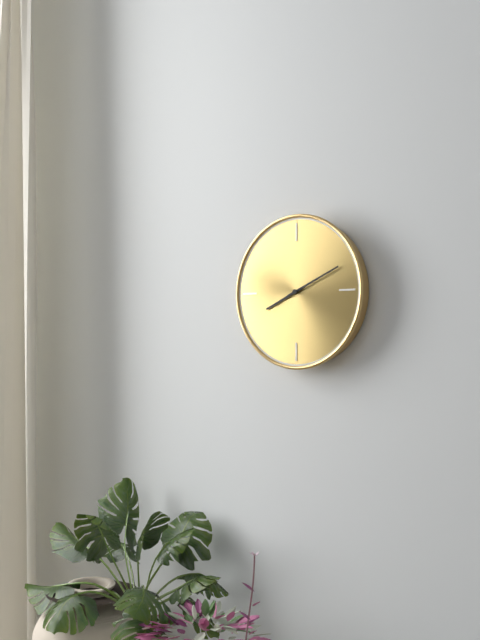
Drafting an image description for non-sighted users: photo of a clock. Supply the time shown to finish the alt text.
8:11
